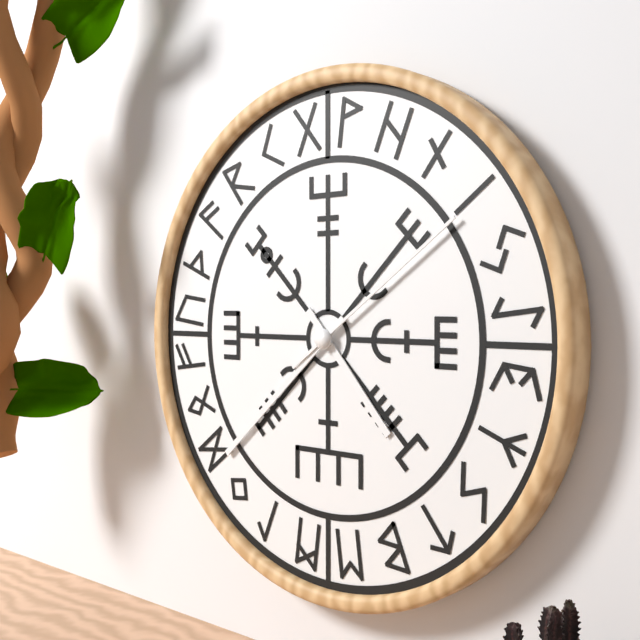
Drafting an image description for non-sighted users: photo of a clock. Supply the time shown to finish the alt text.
4:38:09
